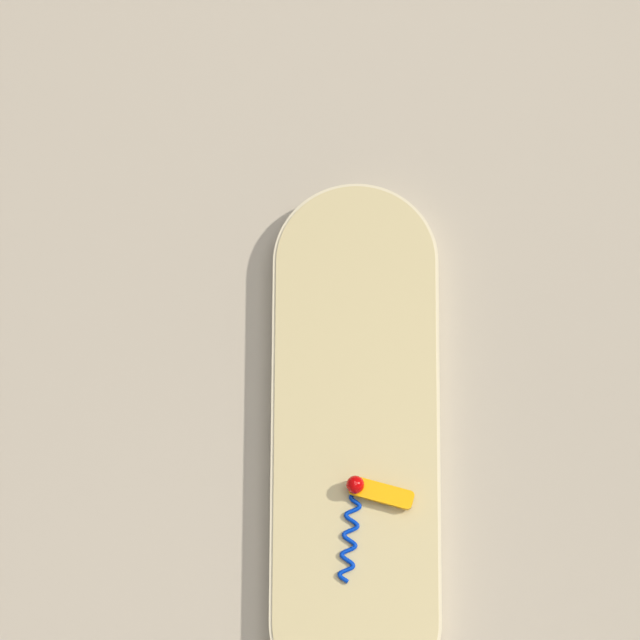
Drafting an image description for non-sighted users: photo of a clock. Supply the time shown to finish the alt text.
3:31
